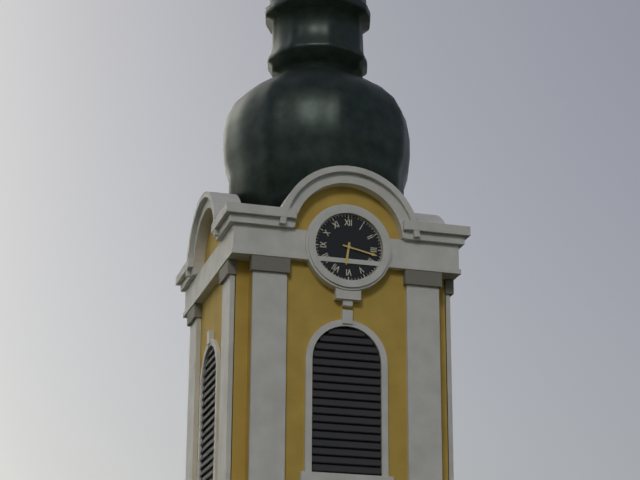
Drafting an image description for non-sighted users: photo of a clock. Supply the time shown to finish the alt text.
6:17
